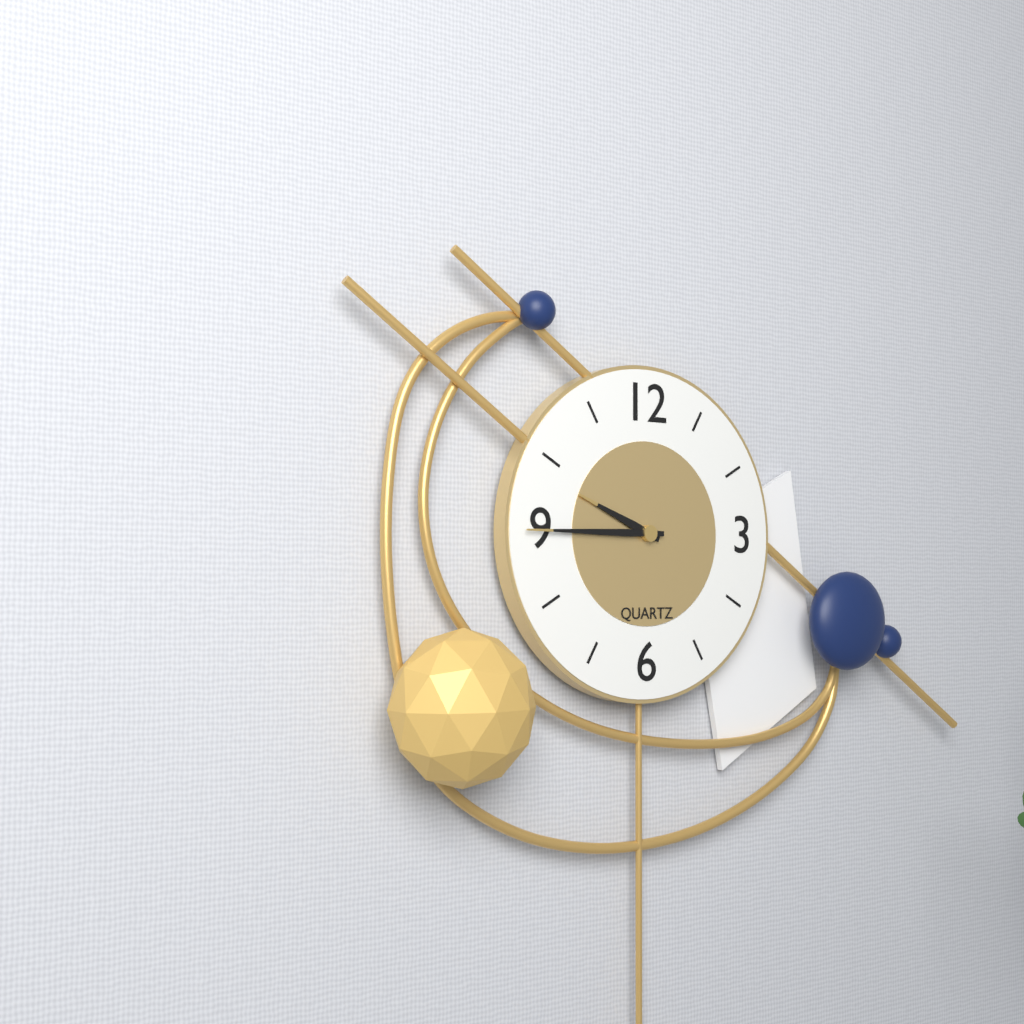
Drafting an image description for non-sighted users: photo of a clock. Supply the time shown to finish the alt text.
9:45
